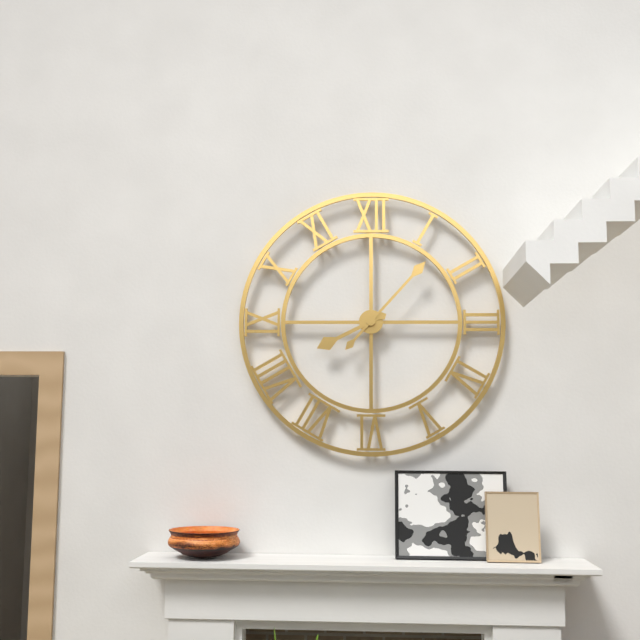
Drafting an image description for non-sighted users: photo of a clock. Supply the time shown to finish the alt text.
8:07
